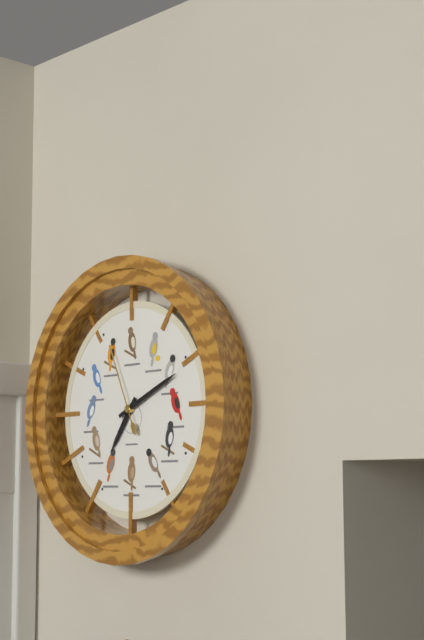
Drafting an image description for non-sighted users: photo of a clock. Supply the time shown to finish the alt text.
7:11:56
